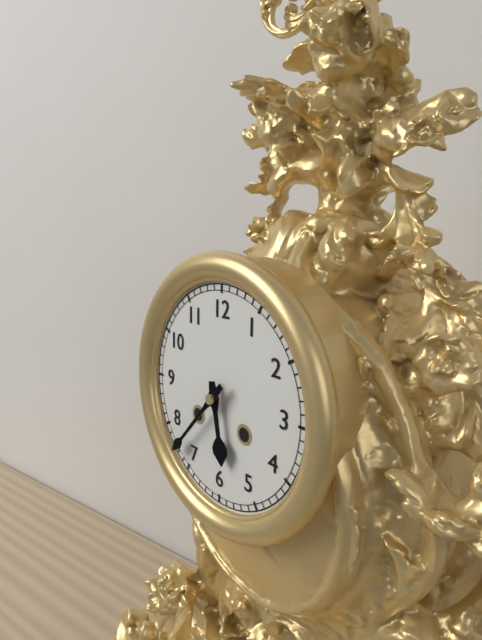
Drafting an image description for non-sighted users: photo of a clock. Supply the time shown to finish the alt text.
5:37
